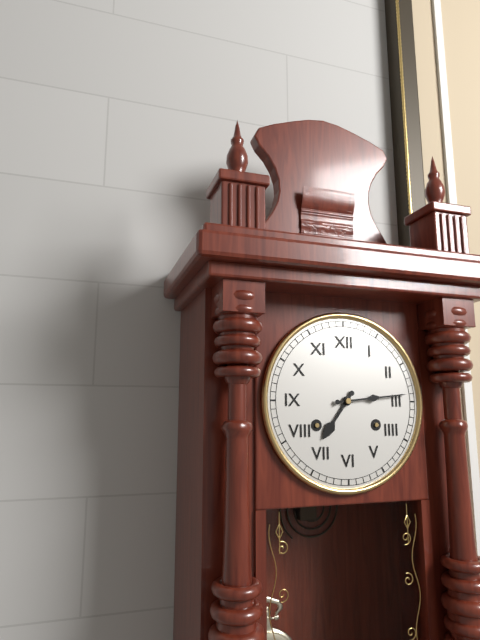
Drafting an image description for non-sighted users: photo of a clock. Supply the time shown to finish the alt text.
7:14
